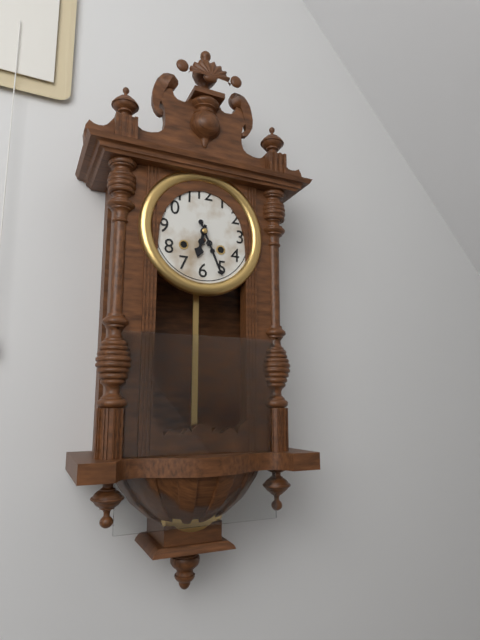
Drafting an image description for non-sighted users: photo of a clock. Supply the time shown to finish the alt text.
6:26
